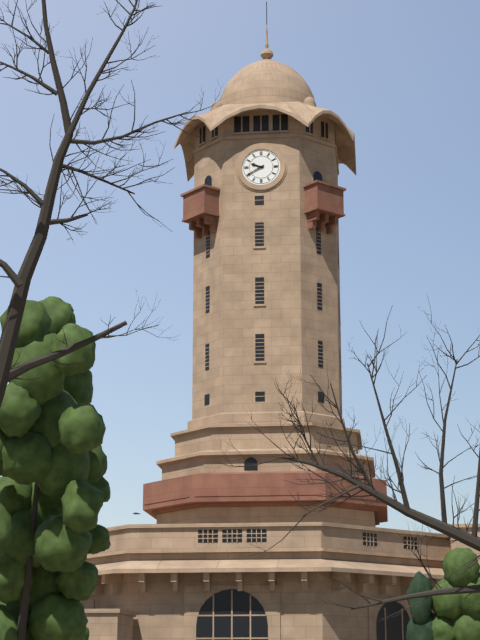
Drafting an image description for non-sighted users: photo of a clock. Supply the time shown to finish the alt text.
9:40
